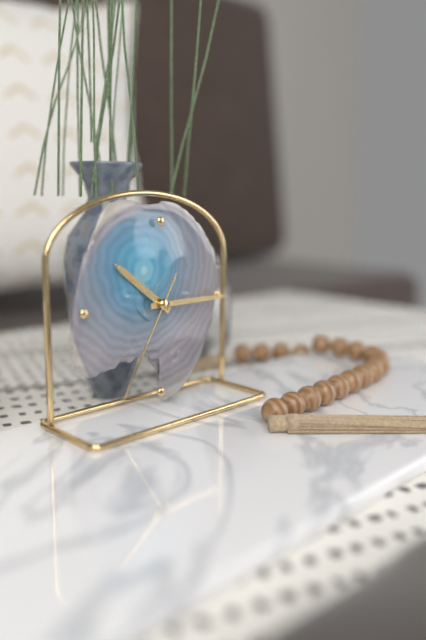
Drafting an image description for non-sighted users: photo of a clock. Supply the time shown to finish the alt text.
10:15:35
